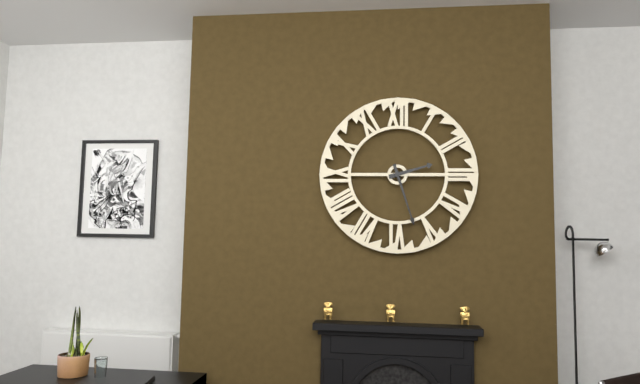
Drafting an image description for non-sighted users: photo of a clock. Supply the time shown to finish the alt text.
2:27
